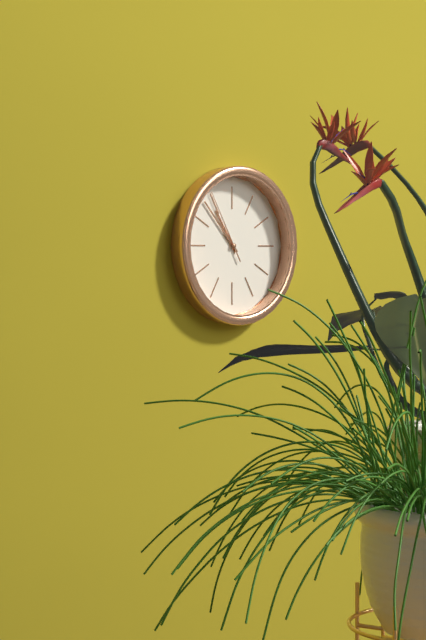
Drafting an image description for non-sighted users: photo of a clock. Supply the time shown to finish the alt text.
10:53:55
